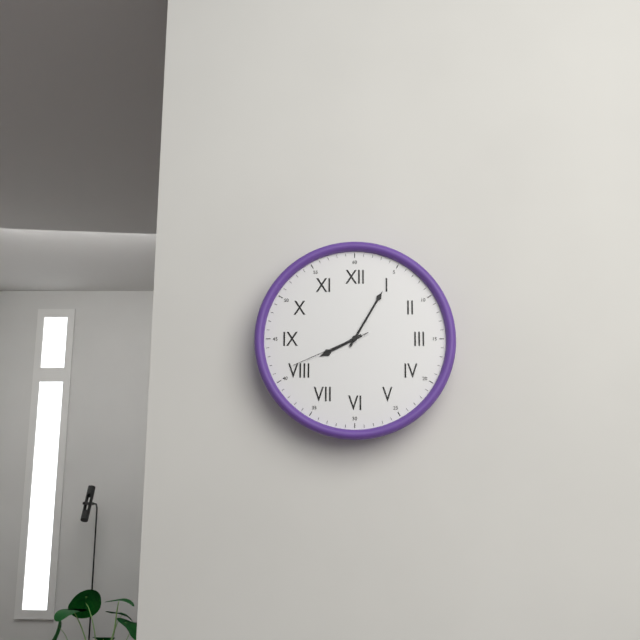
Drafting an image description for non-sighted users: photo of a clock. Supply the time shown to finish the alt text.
8:05:41
